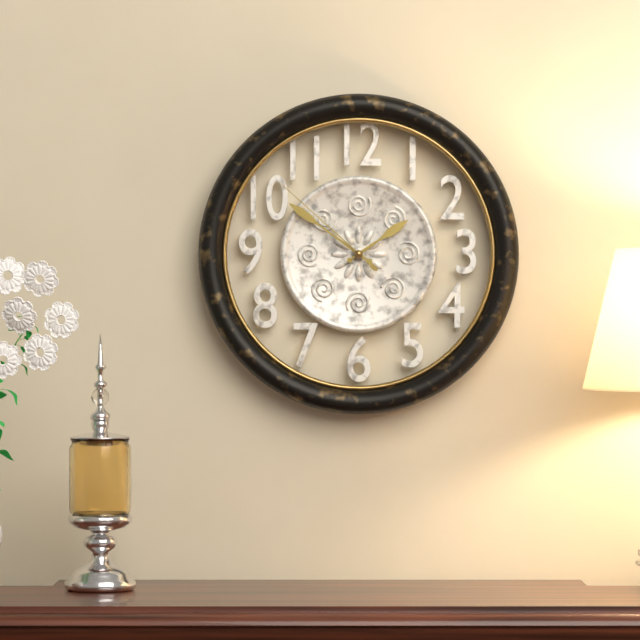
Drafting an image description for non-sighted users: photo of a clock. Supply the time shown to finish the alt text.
1:51:52
